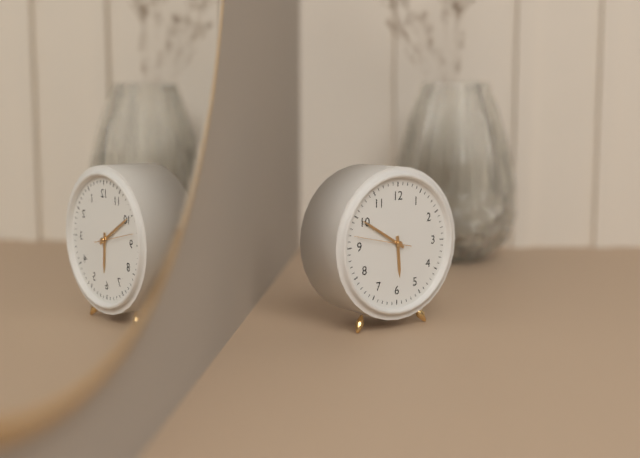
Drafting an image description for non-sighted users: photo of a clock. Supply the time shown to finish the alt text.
5:50:47
